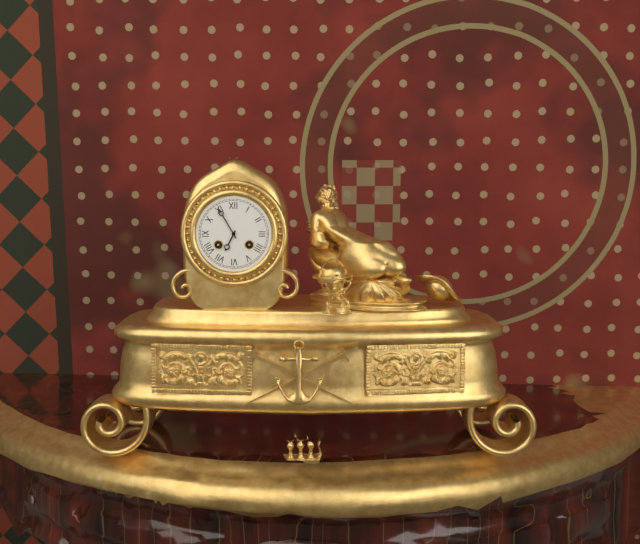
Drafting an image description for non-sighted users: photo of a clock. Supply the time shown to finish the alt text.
6:55
